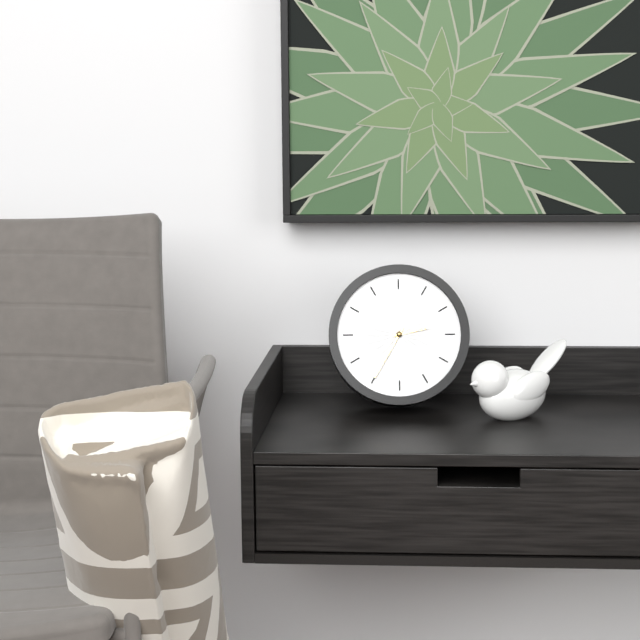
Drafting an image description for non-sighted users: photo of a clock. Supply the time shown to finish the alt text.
2:35
